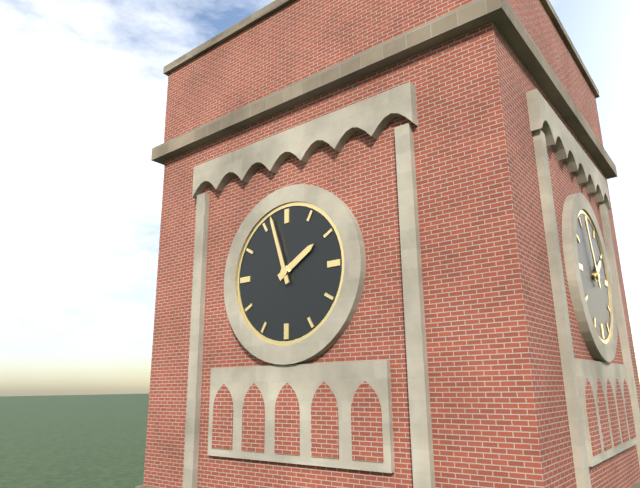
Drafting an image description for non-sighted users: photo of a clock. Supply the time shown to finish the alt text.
1:57
